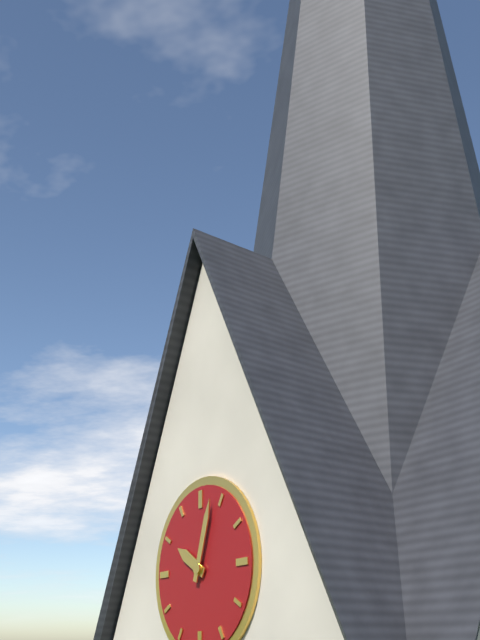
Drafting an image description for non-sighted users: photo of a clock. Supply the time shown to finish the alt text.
10:03
